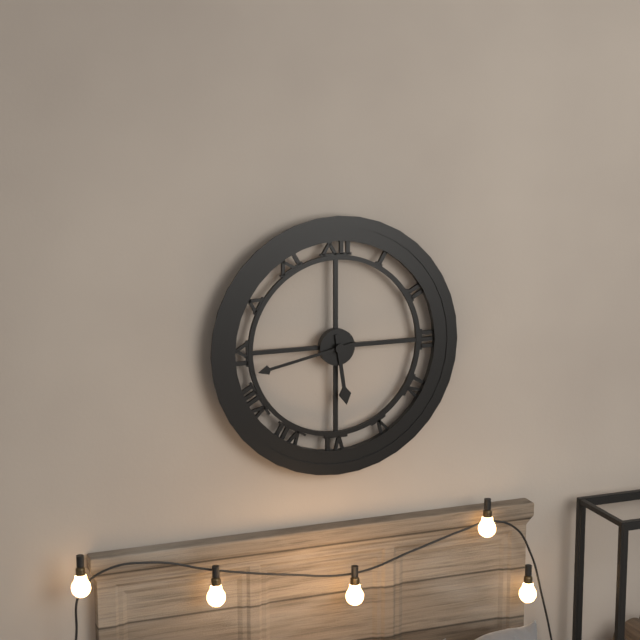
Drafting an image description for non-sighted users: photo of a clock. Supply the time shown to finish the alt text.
5:43
